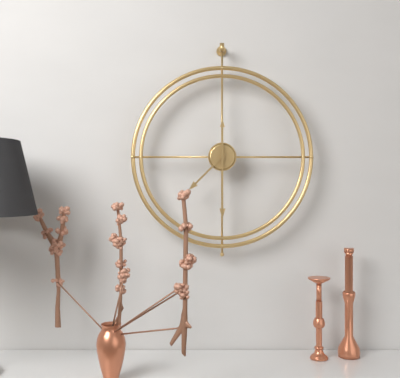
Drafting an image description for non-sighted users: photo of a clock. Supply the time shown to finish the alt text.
7:30
